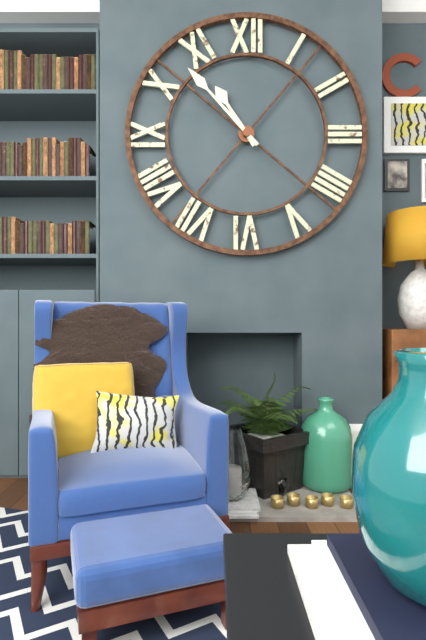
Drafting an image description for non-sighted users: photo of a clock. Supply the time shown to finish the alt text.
10:53
